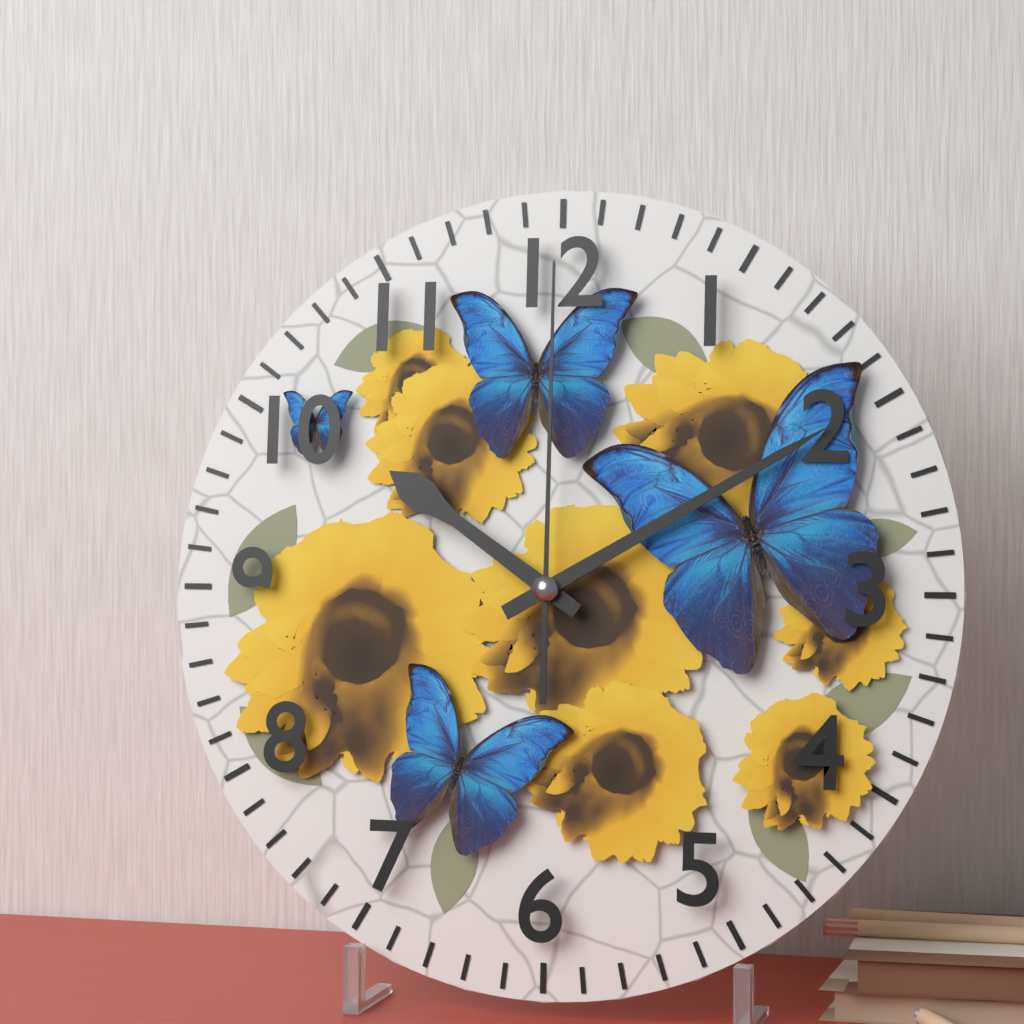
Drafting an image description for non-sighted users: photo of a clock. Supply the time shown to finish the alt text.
10:10:00
